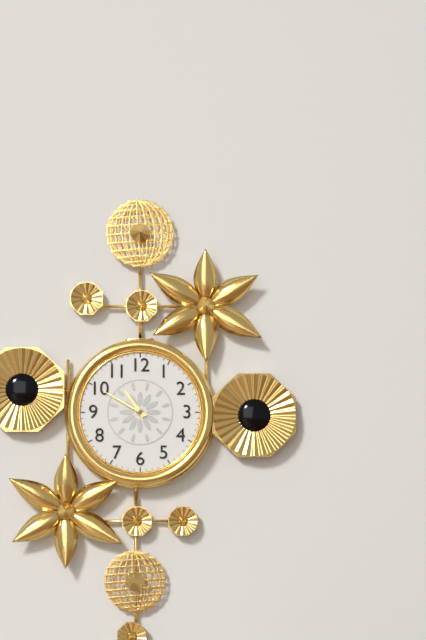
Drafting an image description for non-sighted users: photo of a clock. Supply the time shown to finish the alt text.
10:50
